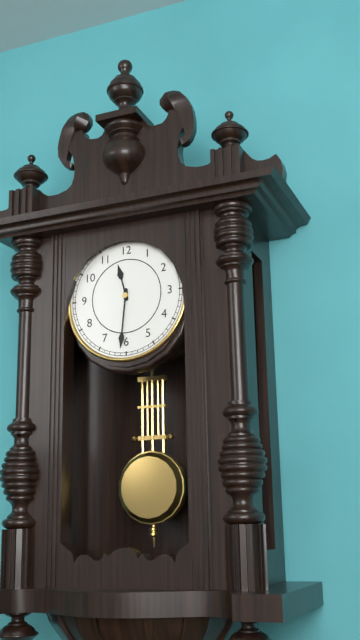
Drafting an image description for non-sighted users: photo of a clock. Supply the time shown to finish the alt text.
11:31
